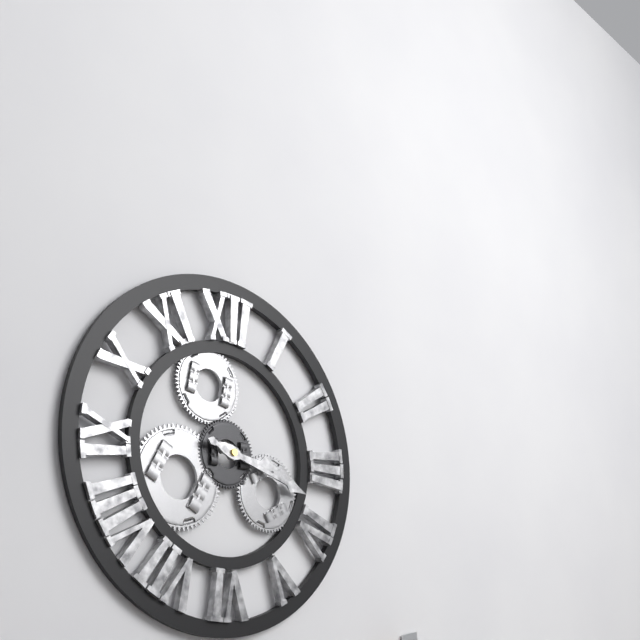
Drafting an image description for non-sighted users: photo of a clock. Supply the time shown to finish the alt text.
3:18
